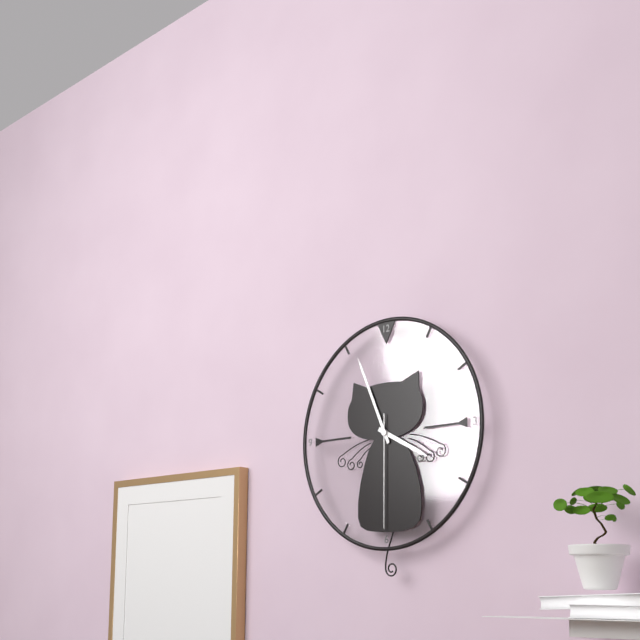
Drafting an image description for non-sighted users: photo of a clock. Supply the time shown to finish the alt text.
3:56:30
